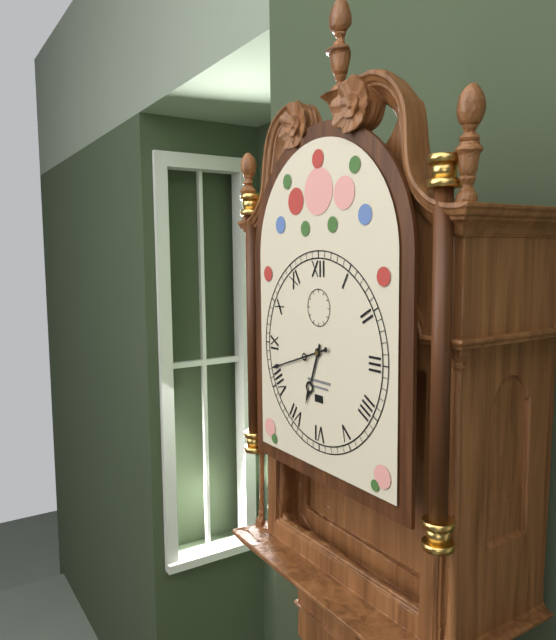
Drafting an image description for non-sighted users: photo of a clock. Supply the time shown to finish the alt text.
6:42
